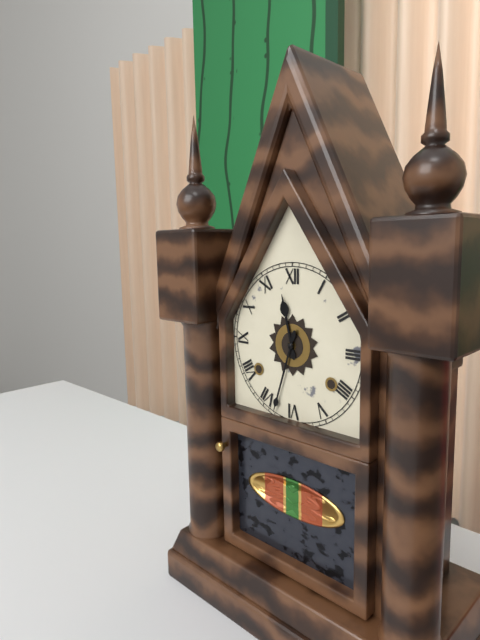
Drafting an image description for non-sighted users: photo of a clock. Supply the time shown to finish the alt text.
11:33
